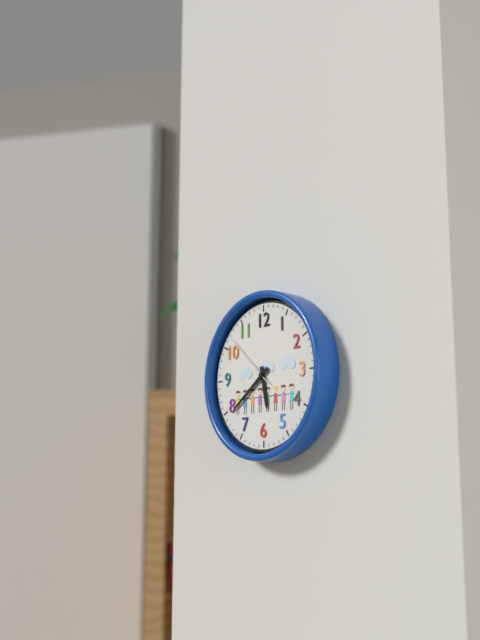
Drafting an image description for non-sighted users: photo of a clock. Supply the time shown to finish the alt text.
5:39:52
